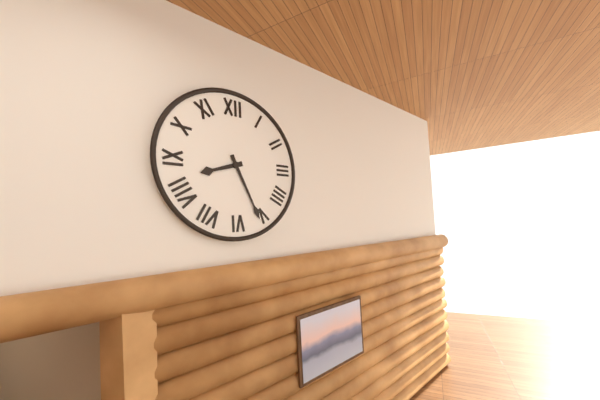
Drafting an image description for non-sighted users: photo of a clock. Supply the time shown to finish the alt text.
8:26
